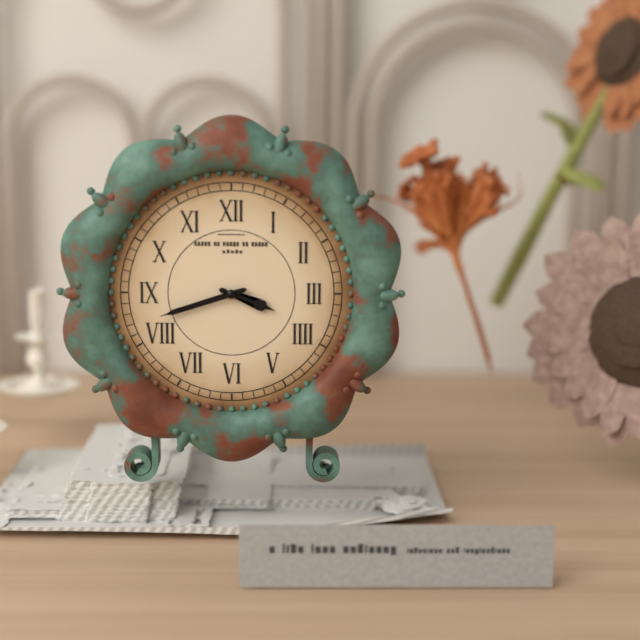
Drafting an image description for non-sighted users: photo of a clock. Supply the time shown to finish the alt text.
3:42
